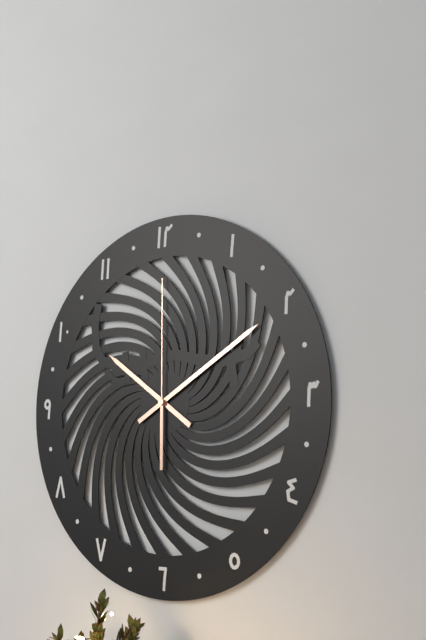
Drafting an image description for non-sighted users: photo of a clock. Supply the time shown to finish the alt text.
10:10:00
